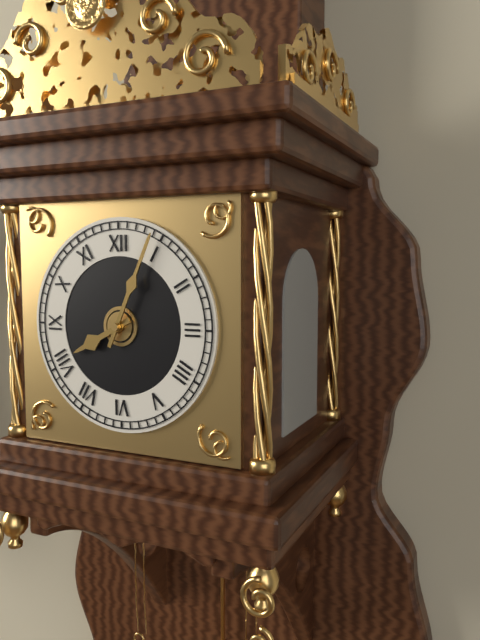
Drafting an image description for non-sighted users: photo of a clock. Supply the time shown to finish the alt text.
8:04
